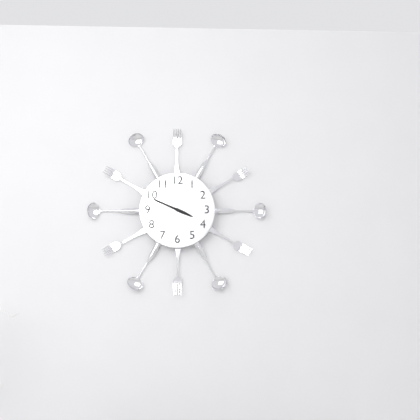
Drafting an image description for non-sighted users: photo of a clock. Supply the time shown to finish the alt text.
3:49
